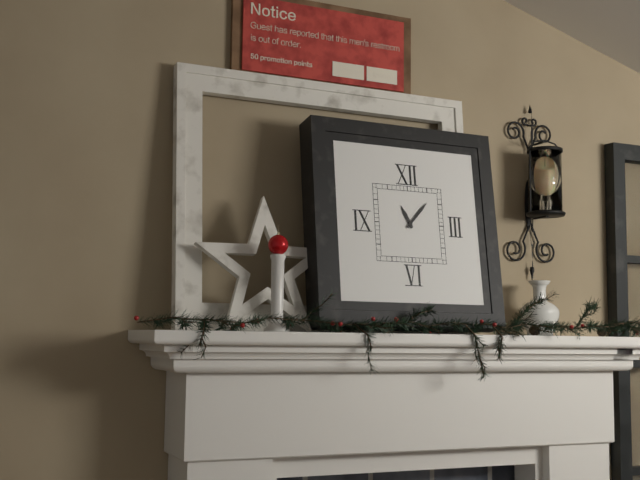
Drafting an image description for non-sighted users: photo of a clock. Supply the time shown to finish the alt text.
11:07
